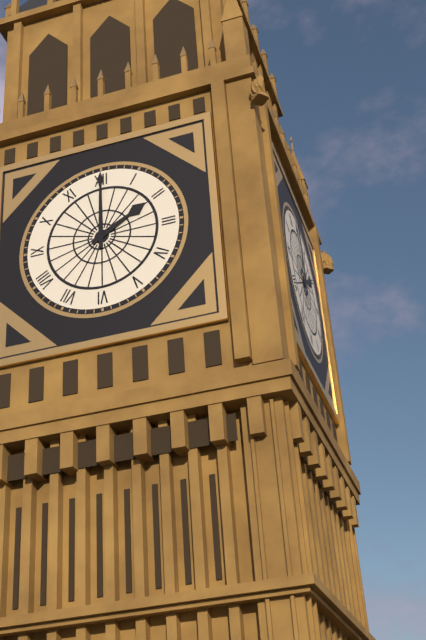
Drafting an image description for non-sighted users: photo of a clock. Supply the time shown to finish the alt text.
2:00
